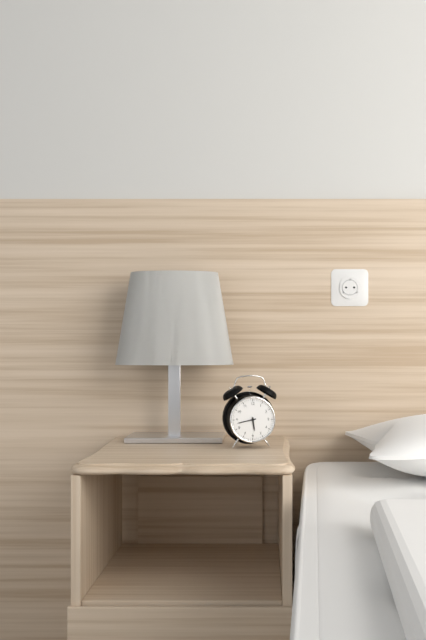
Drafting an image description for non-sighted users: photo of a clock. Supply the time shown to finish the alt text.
5:43
